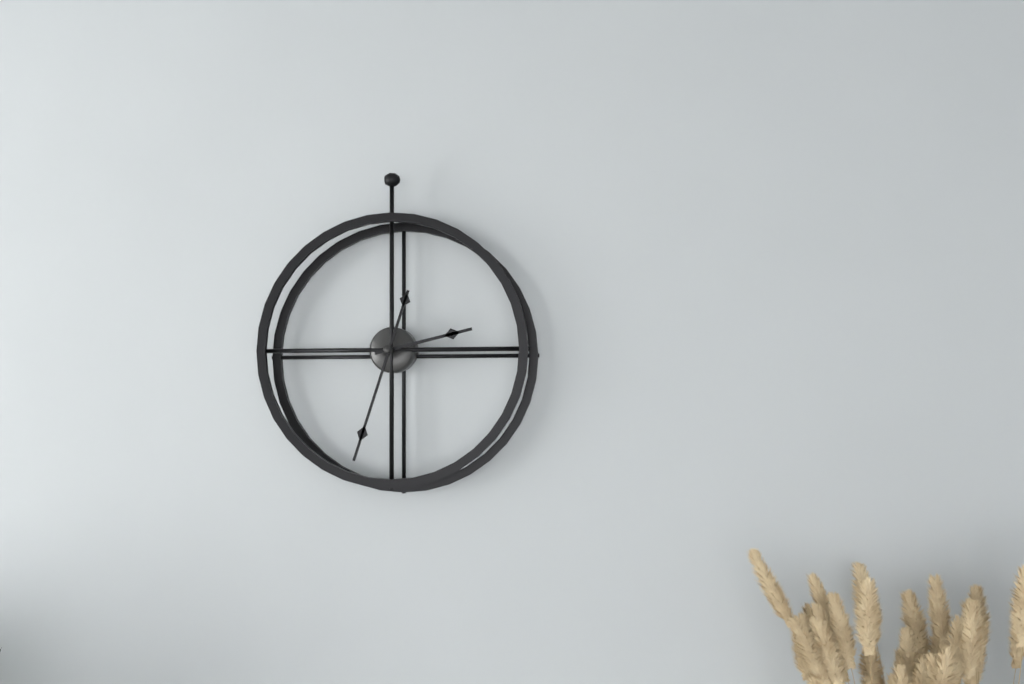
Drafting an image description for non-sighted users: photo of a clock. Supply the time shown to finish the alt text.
2:33
